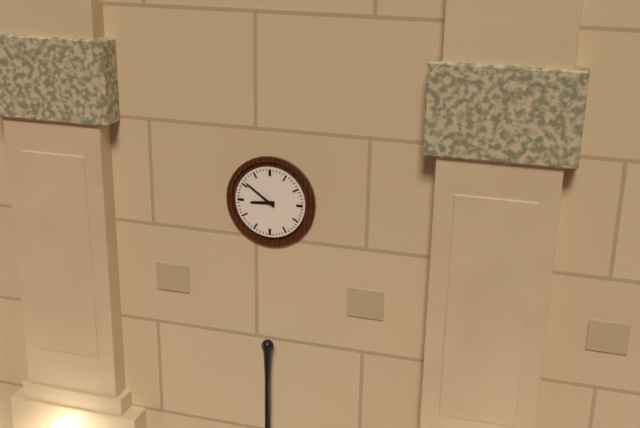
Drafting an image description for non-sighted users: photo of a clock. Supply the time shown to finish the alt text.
8:51
